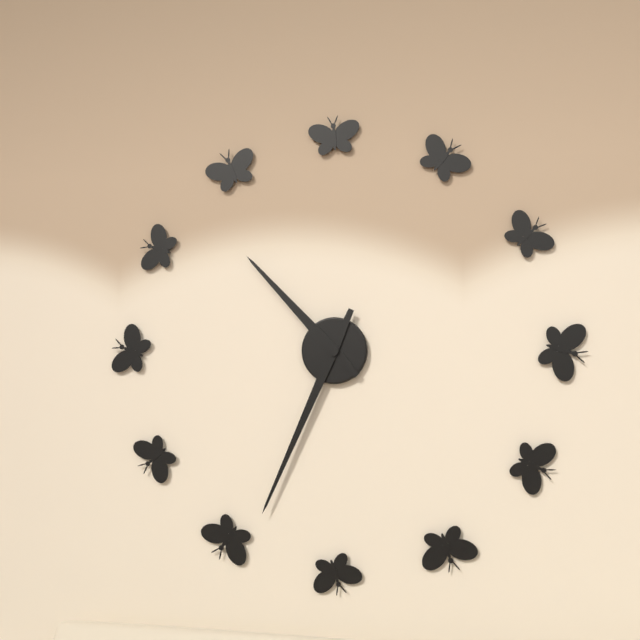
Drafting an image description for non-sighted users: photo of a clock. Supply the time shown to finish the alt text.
10:34
